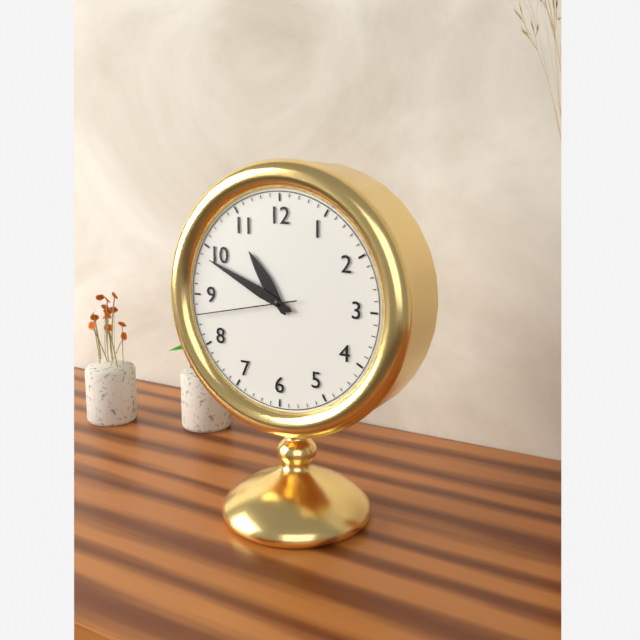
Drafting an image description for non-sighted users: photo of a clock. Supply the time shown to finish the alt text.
10:49:43
